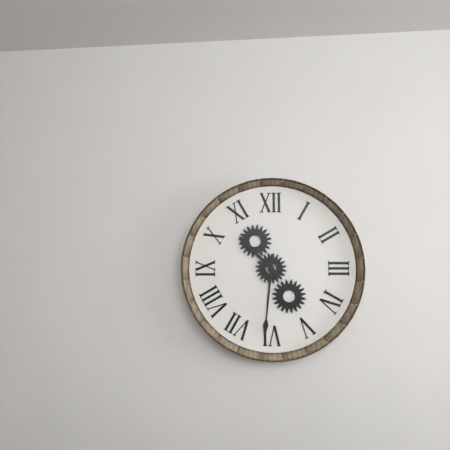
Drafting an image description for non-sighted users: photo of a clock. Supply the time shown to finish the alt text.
10:31
